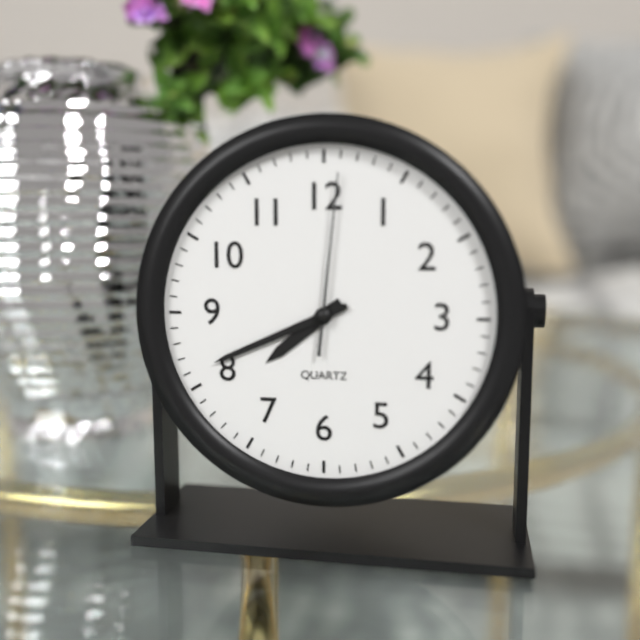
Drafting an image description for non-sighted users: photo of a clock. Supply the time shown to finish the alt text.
7:41:01
